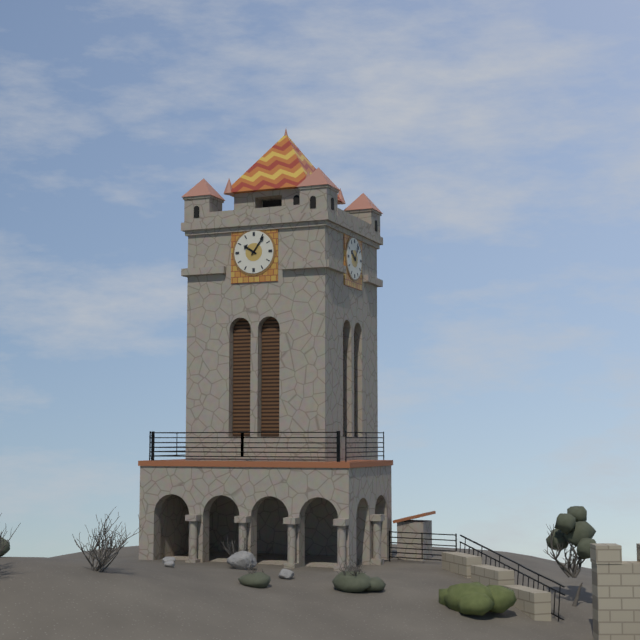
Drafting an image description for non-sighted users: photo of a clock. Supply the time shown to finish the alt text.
10:06
